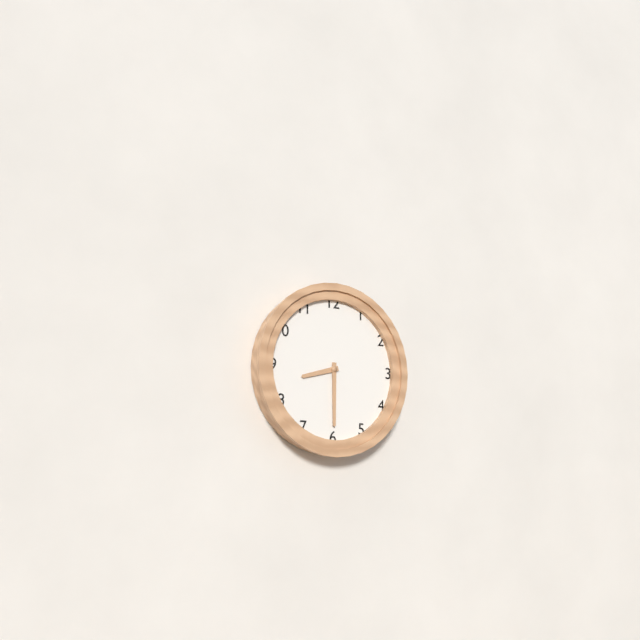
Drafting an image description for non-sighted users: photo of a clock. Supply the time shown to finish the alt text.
8:30
